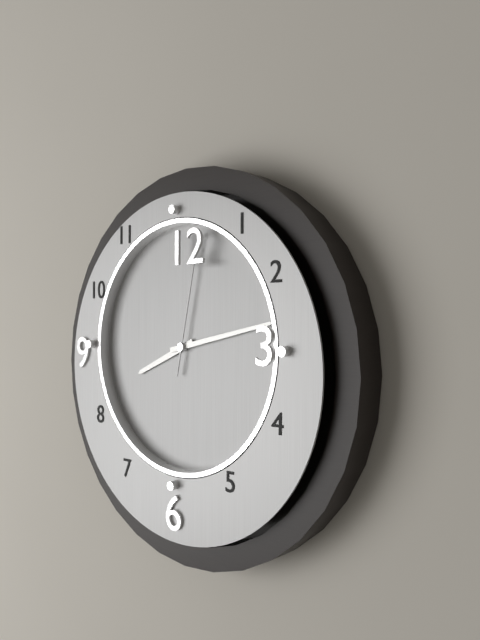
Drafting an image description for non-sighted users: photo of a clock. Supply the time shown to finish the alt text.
8:13:02
